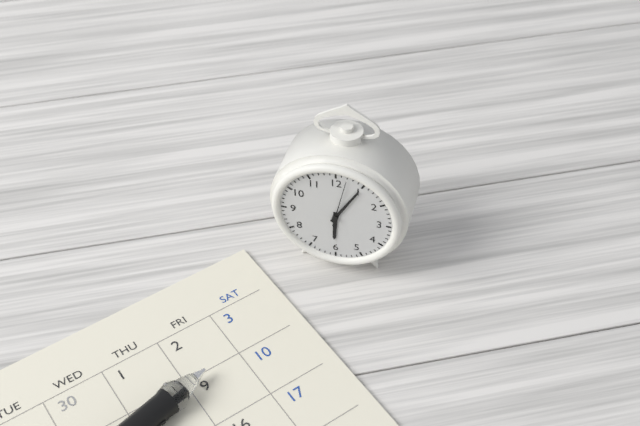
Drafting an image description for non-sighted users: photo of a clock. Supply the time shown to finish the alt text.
6:05
